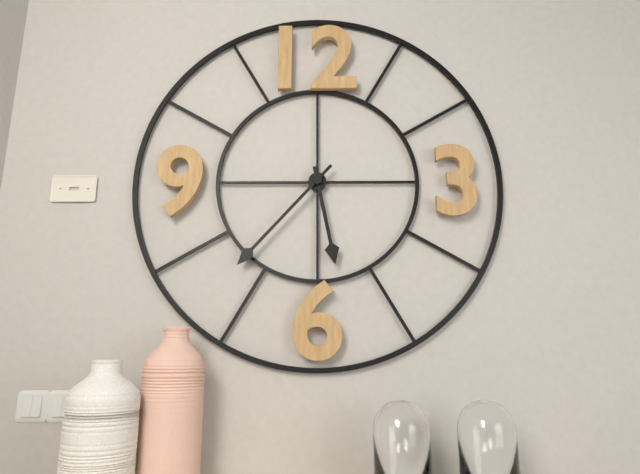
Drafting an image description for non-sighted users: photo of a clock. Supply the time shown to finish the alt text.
5:37
